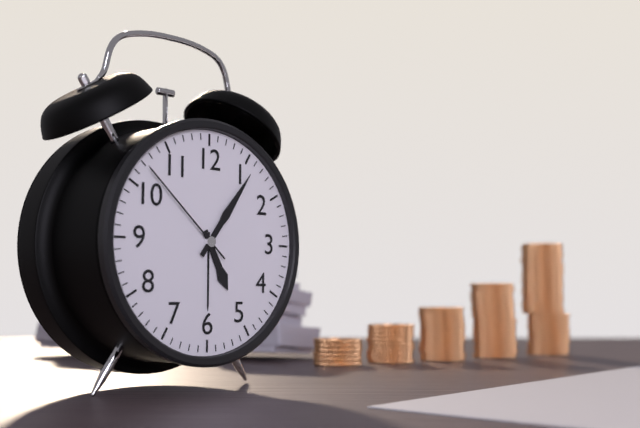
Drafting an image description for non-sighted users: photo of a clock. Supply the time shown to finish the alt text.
5:06:52
